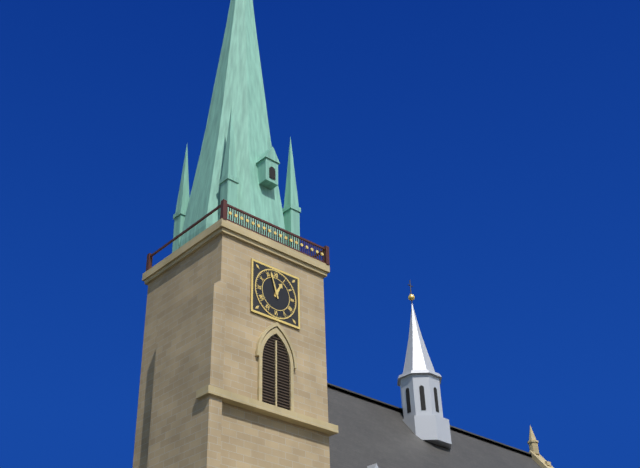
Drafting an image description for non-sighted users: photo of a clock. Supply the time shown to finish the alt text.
12:57
